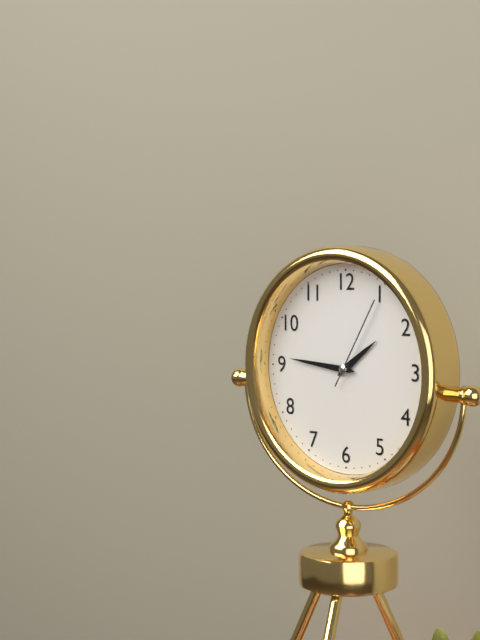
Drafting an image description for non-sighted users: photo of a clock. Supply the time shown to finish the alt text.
1:46:05
